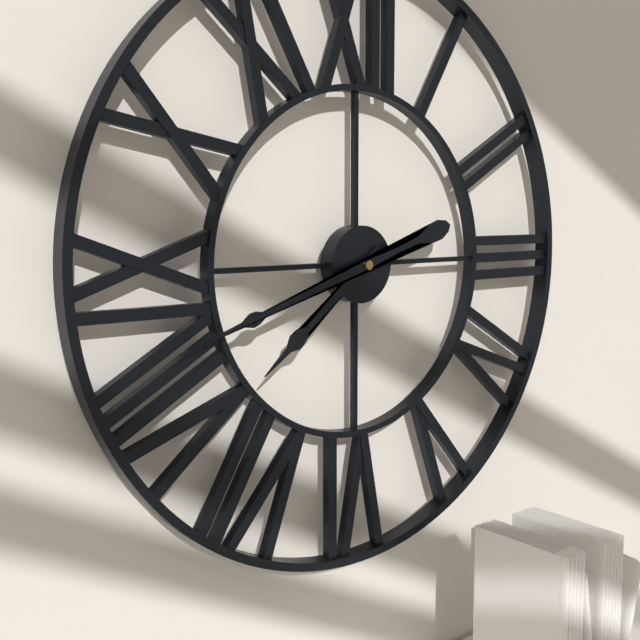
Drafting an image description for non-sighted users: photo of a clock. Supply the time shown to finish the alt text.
7:42
